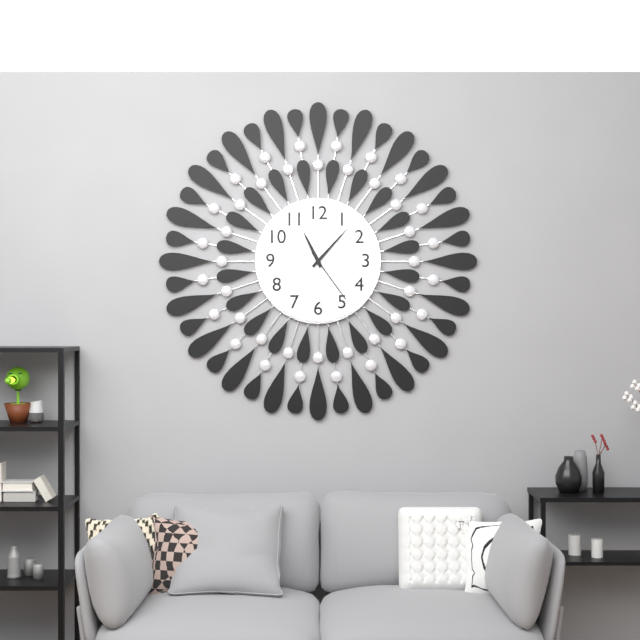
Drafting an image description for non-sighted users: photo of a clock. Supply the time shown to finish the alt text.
11:07:24
